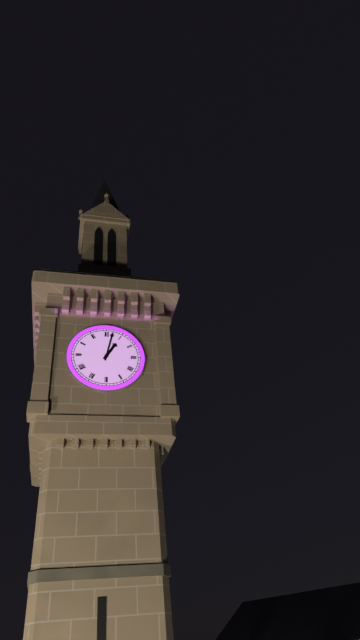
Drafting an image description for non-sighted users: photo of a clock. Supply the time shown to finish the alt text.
1:02
